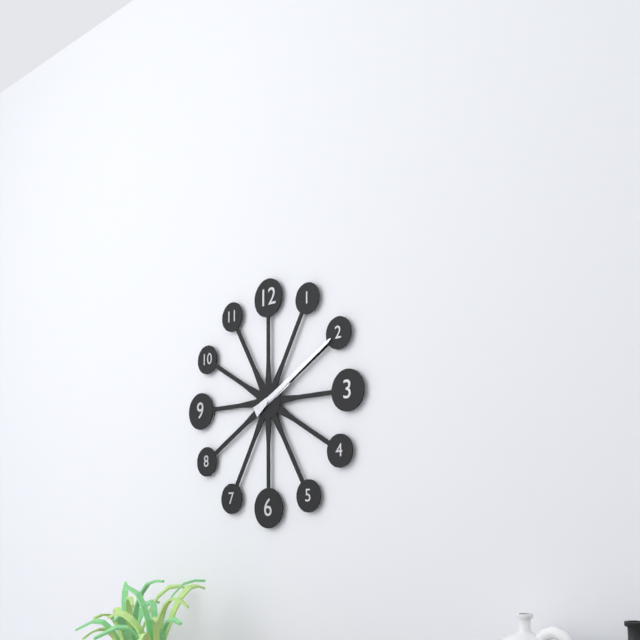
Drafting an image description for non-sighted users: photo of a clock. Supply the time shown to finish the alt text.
2:10
